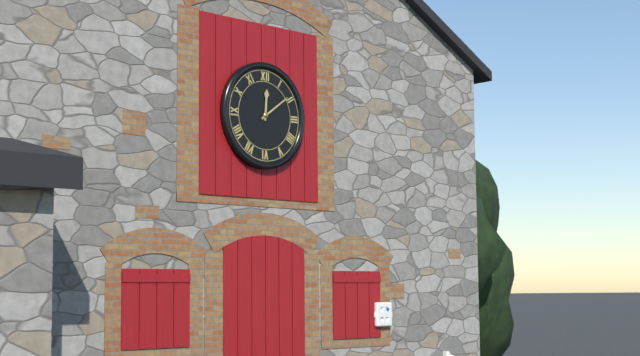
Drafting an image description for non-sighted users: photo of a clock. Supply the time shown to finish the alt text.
12:09
